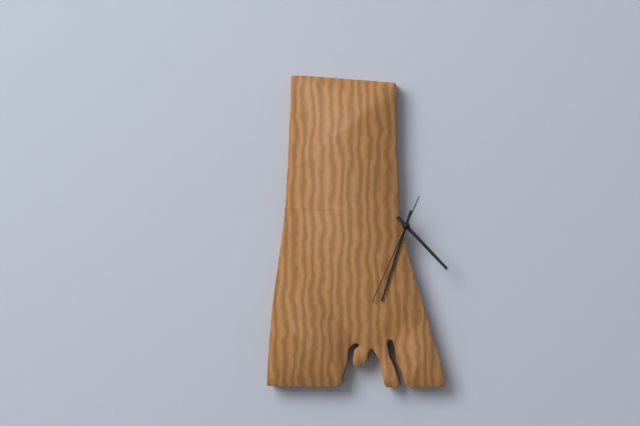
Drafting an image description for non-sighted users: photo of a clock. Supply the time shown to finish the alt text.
4:33:34
